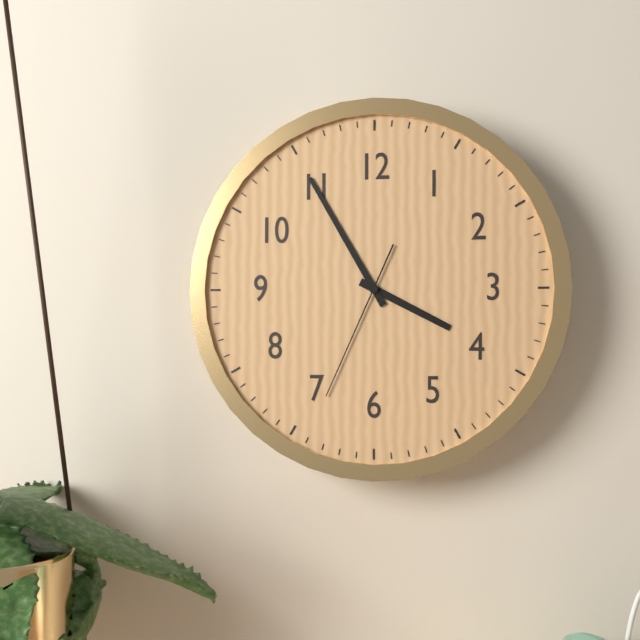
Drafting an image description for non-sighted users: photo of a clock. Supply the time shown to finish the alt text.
3:55:34
